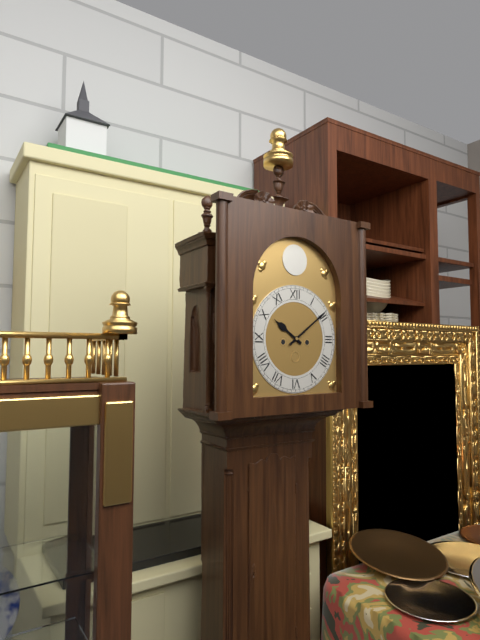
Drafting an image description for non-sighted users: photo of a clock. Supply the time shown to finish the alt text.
10:09
